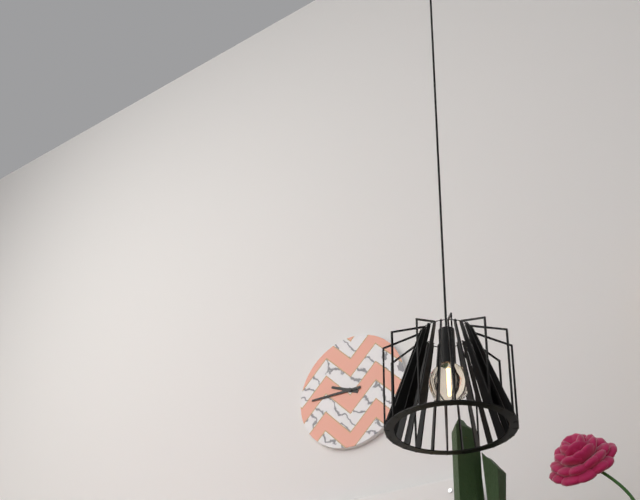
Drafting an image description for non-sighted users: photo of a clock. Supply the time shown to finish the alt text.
9:45
